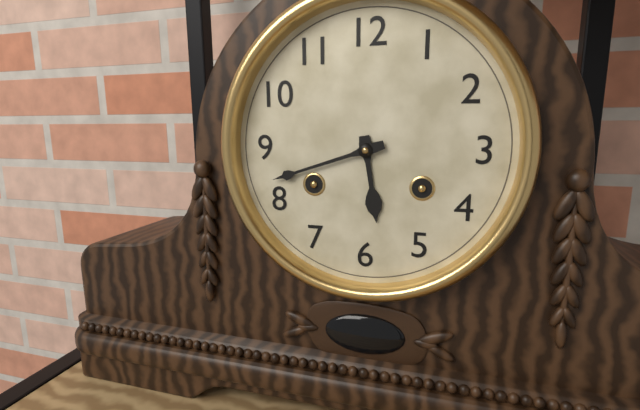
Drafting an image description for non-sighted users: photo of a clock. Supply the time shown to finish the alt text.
5:42
